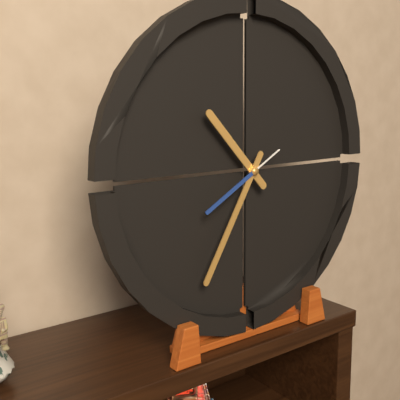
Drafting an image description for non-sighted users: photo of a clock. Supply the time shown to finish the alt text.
10:35:40
